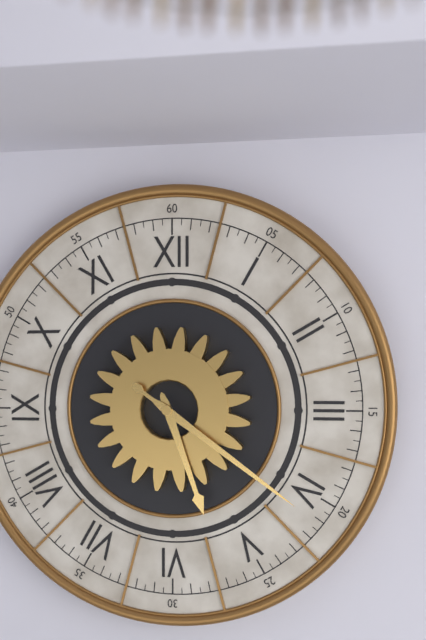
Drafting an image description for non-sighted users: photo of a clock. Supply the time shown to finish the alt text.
5:21
